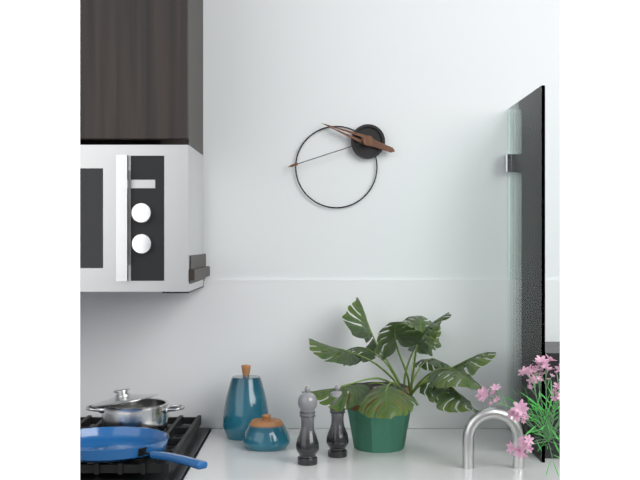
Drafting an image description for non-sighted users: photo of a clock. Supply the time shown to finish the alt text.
9:42
